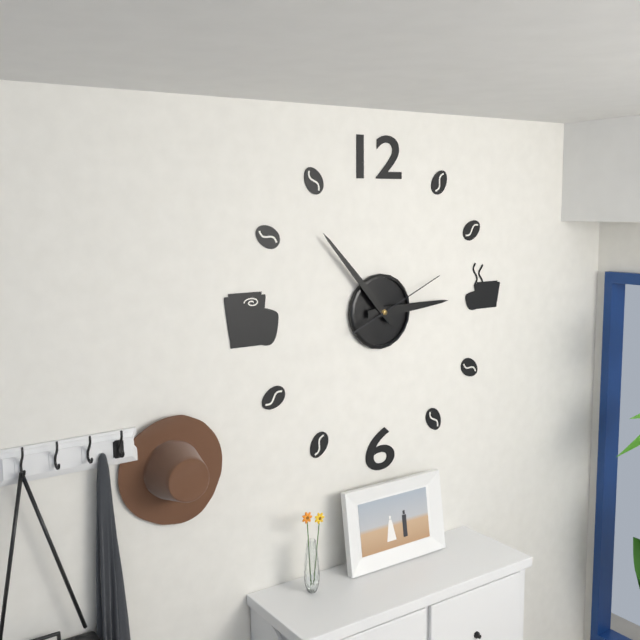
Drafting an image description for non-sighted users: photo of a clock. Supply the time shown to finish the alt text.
2:53:11
